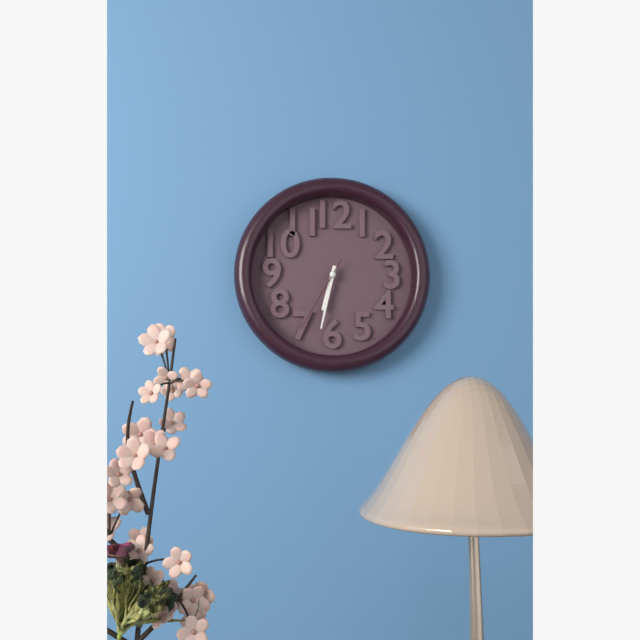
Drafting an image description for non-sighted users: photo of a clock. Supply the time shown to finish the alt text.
6:32:35
